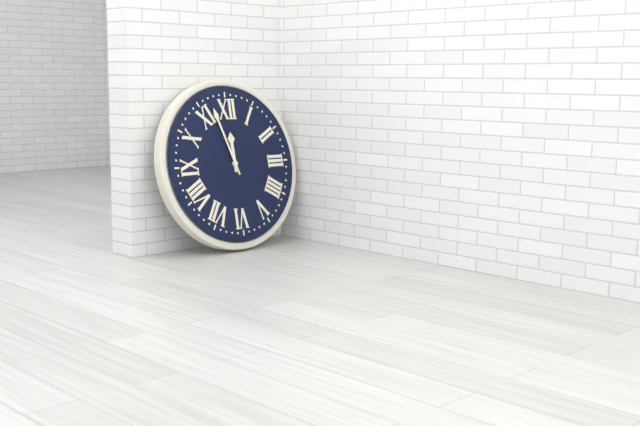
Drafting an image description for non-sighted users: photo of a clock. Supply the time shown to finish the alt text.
11:57
